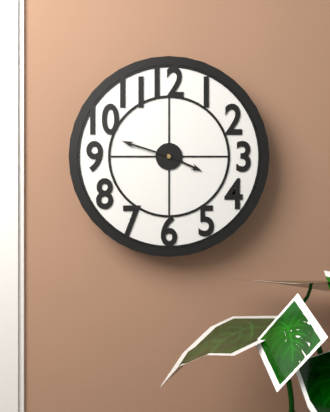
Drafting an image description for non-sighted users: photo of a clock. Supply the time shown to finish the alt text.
3:48
